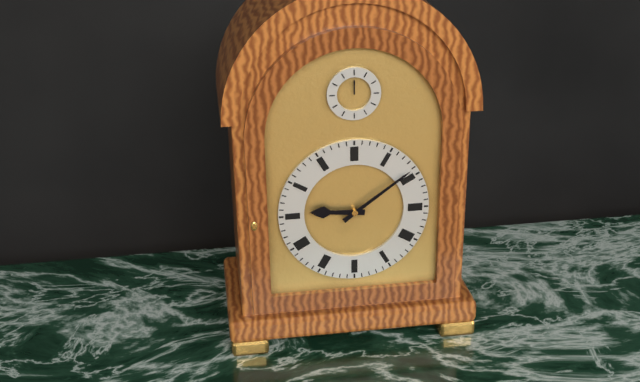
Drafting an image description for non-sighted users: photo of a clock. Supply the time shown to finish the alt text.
9:09
